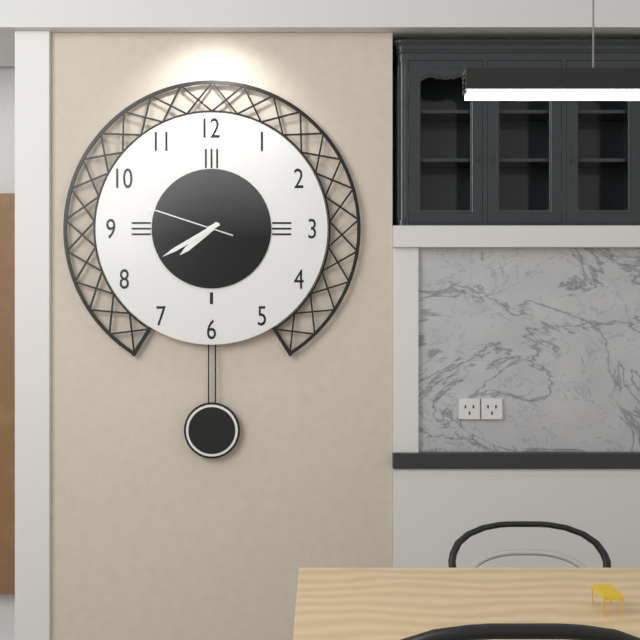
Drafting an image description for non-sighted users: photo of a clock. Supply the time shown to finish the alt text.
7:40:48
